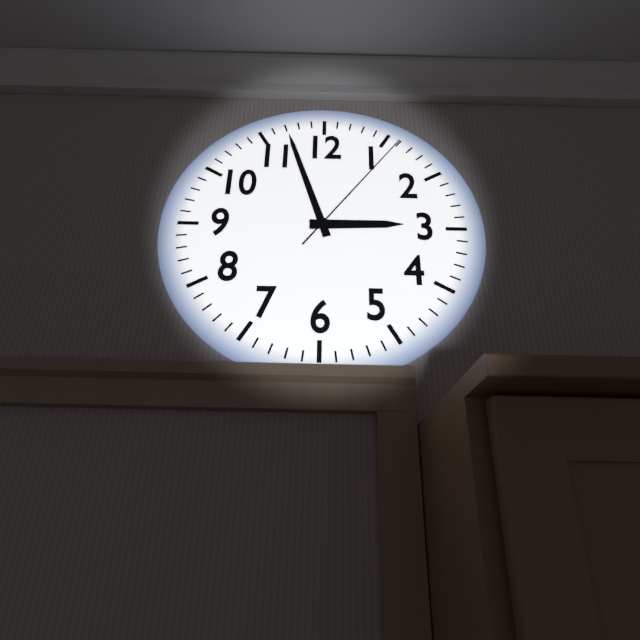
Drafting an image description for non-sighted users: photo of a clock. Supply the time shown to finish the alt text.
2:57:06
